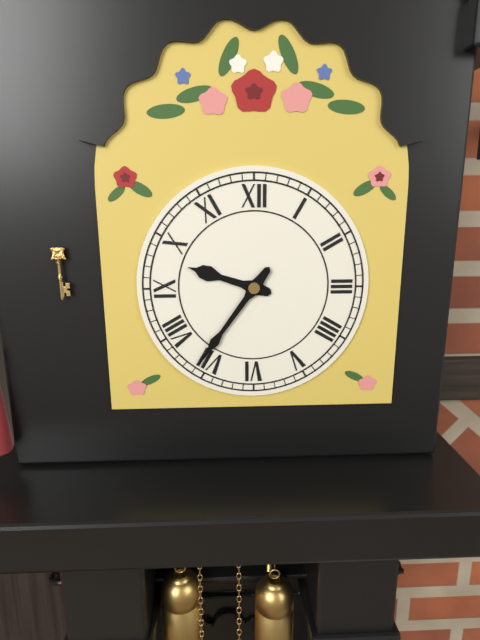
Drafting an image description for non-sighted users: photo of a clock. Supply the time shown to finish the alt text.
9:36
